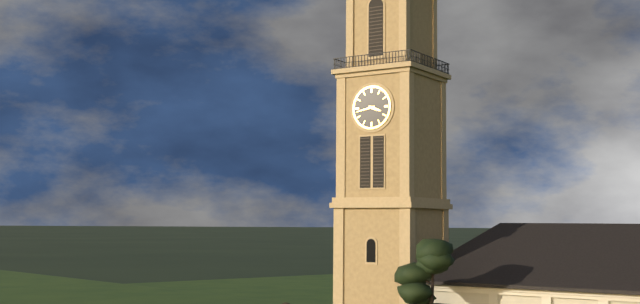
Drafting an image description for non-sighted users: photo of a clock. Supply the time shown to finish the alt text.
3:43
